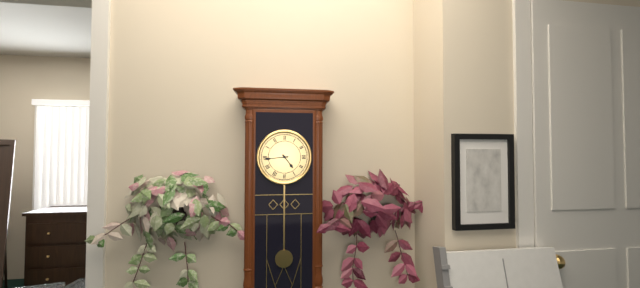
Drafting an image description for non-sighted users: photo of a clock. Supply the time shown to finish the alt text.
4:44
